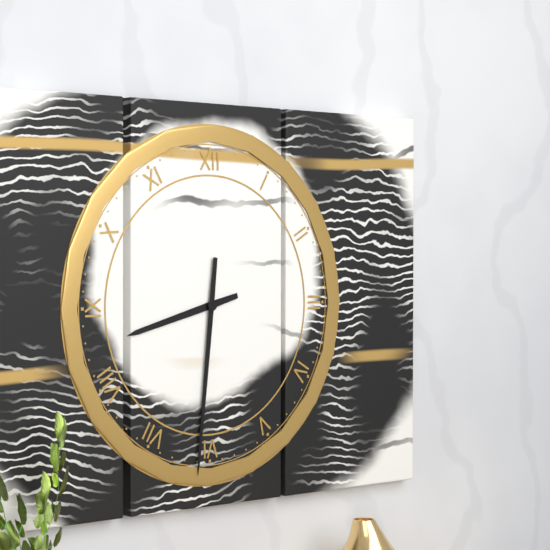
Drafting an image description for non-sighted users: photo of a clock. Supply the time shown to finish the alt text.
8:31
